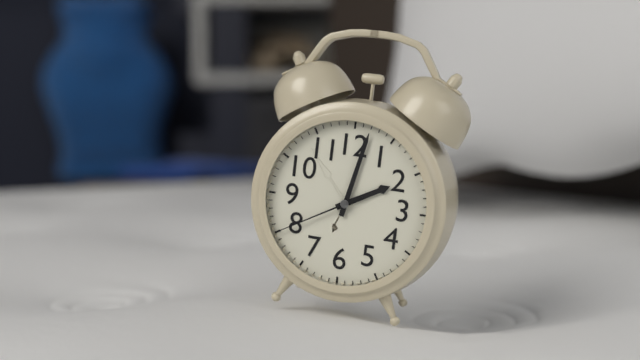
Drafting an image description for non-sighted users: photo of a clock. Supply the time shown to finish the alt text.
2:02:40
